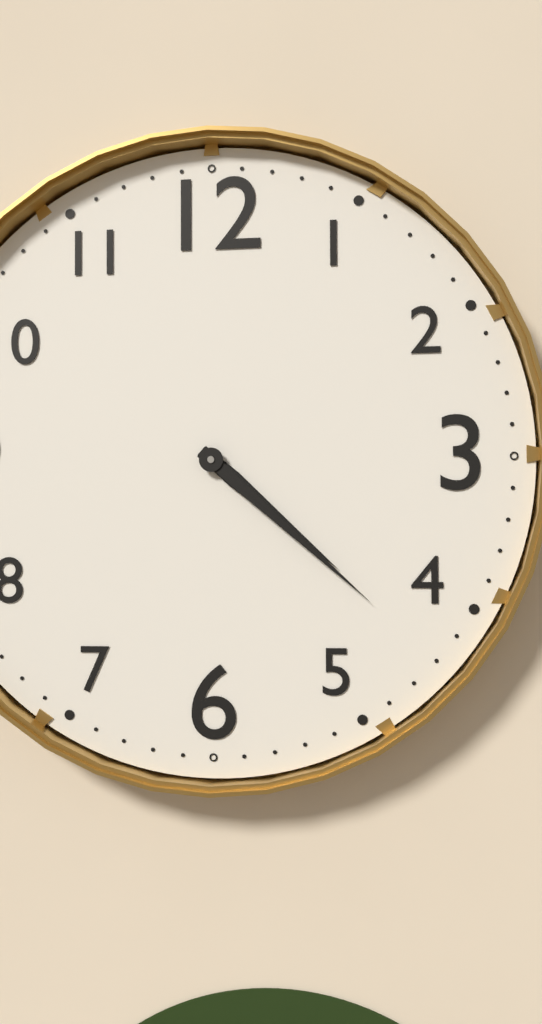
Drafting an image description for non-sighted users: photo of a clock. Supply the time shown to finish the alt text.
4:22
